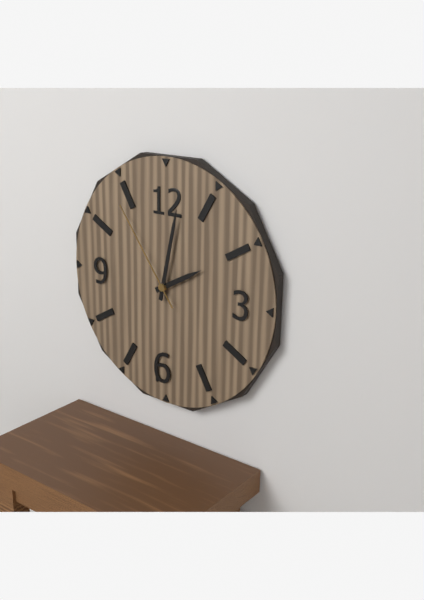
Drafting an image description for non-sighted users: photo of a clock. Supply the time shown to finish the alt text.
2:02:54
